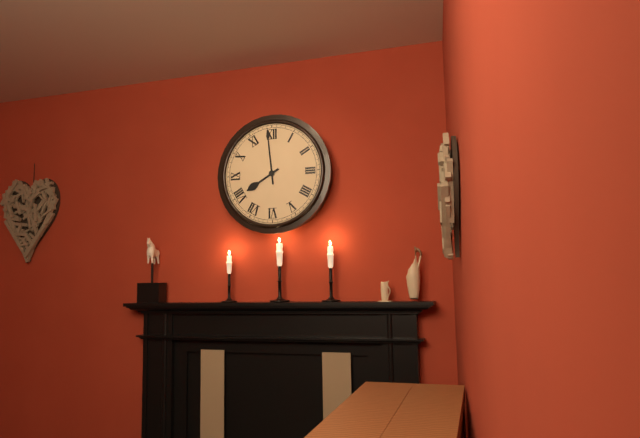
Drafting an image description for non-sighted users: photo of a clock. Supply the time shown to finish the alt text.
7:59
